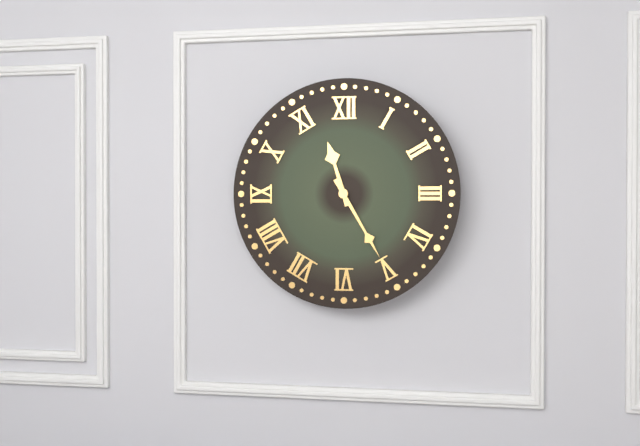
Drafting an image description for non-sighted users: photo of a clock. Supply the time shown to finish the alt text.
11:25
